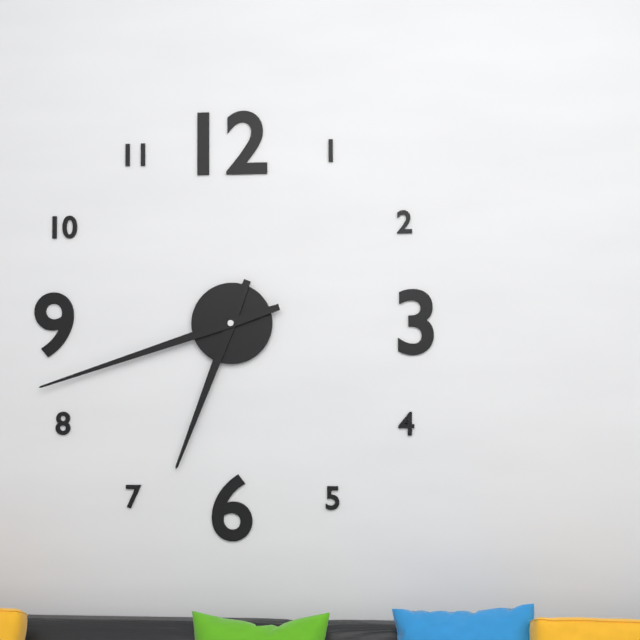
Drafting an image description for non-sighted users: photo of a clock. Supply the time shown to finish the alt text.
6:42
